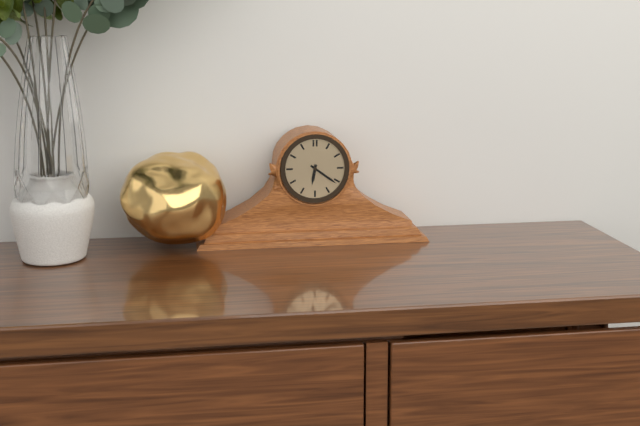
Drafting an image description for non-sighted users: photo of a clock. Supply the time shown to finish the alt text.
6:21
